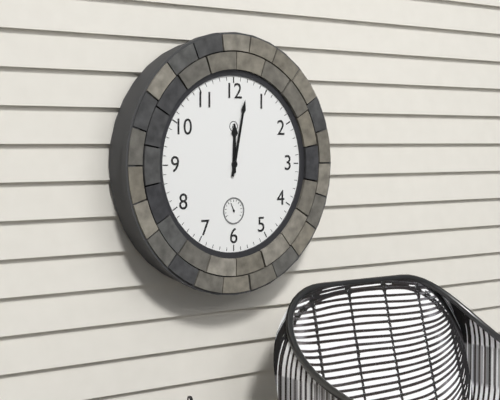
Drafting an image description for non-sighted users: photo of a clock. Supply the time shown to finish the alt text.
12:02
